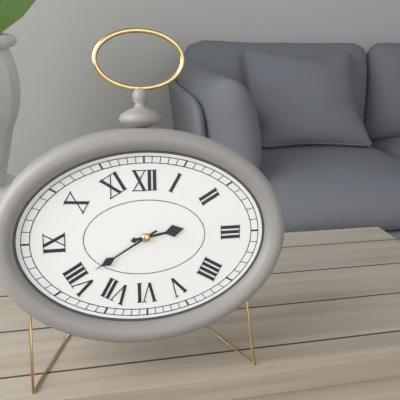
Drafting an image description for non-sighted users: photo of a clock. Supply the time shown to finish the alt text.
2:40
